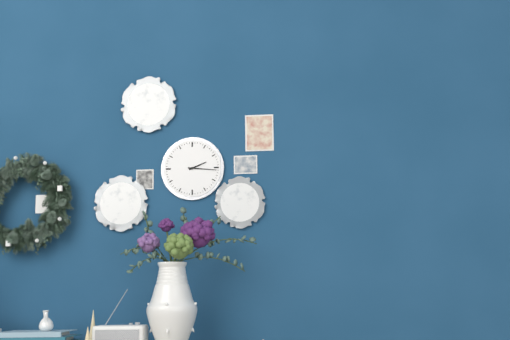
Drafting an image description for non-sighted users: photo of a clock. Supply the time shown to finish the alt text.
2:16
